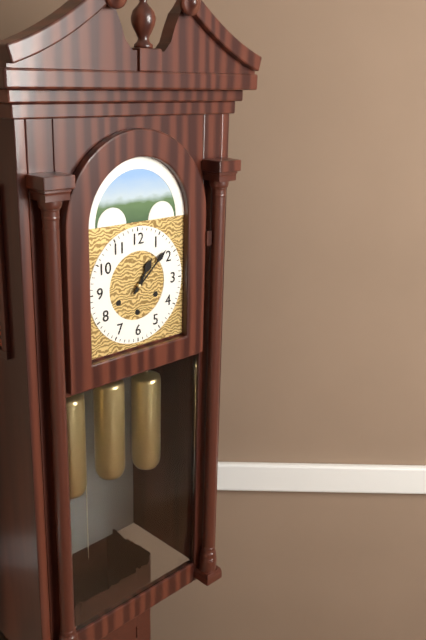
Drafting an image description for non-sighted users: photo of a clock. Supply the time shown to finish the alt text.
1:08
